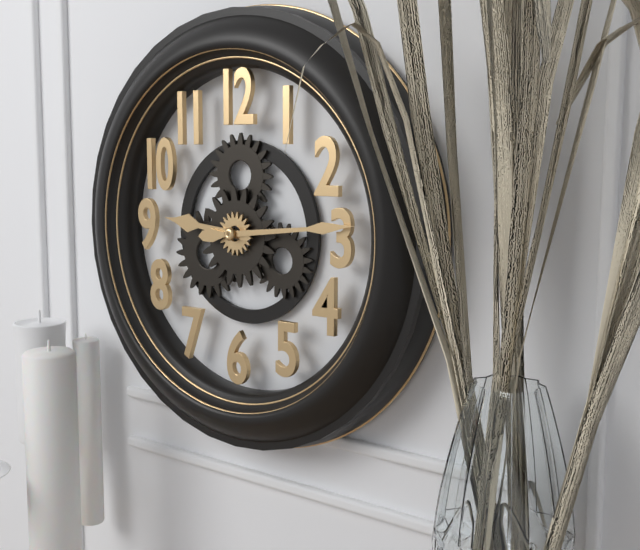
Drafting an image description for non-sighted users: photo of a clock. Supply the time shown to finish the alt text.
9:14
